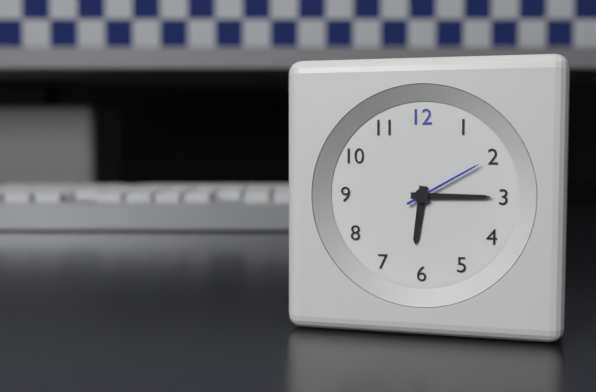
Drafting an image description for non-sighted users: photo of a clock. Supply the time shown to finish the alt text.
6:15:10
